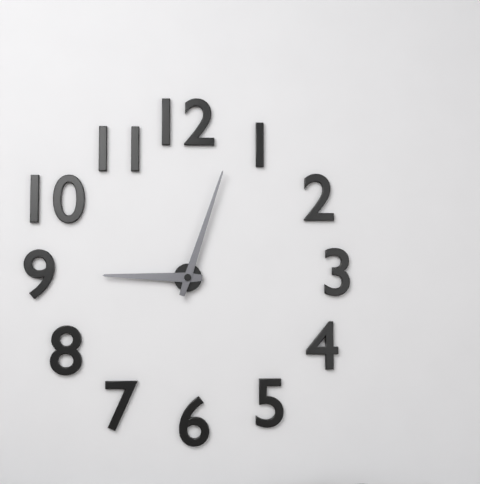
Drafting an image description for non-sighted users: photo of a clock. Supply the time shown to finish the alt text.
9:03
